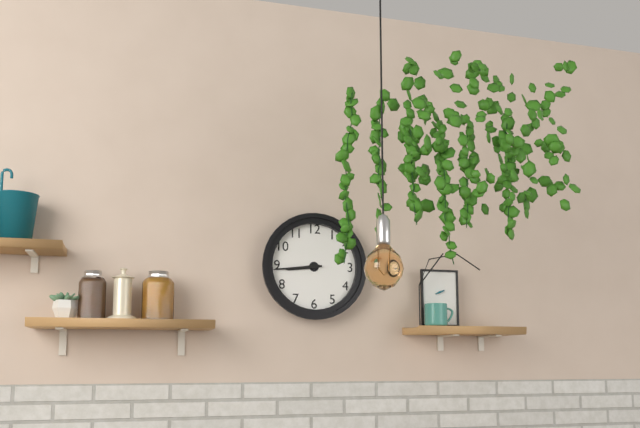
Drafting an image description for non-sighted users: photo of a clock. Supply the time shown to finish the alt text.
8:44
